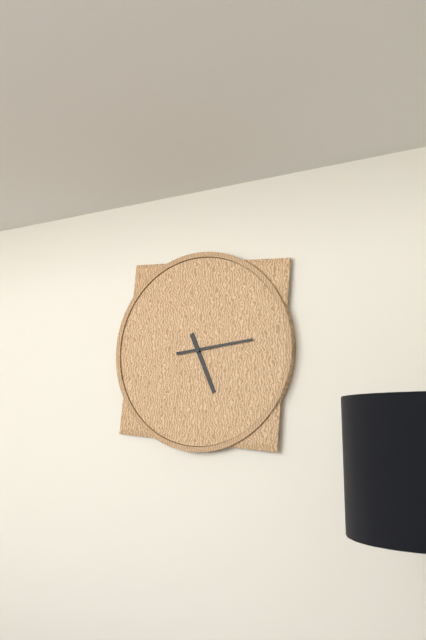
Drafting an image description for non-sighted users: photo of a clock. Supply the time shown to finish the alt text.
5:14
